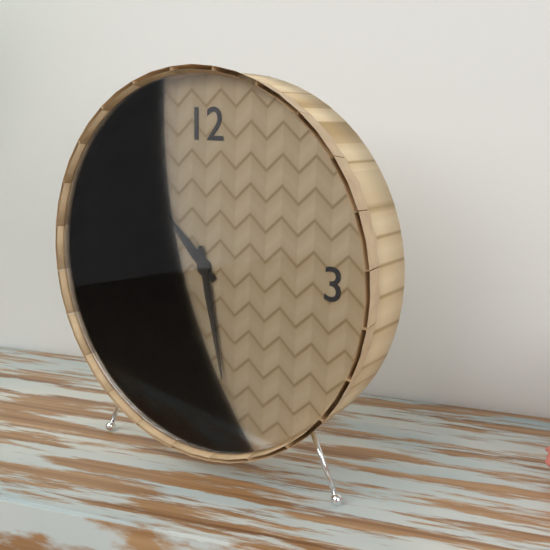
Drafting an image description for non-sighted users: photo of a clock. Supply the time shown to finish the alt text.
10:28
